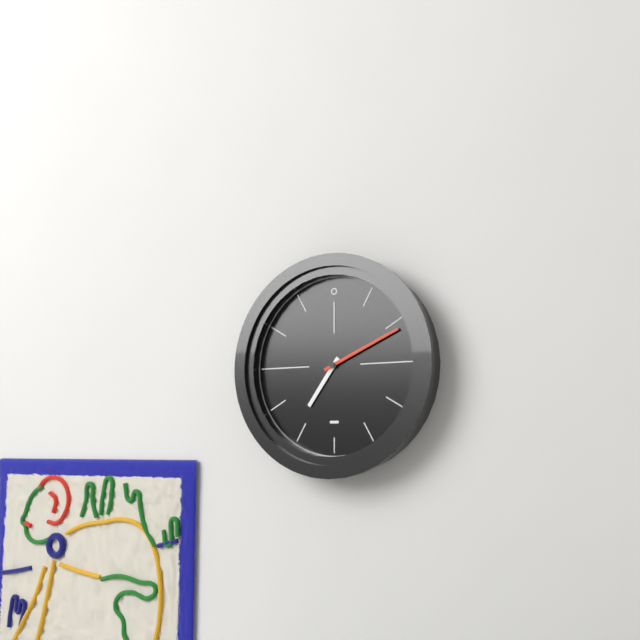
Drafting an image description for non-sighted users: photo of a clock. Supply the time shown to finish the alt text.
7:11
